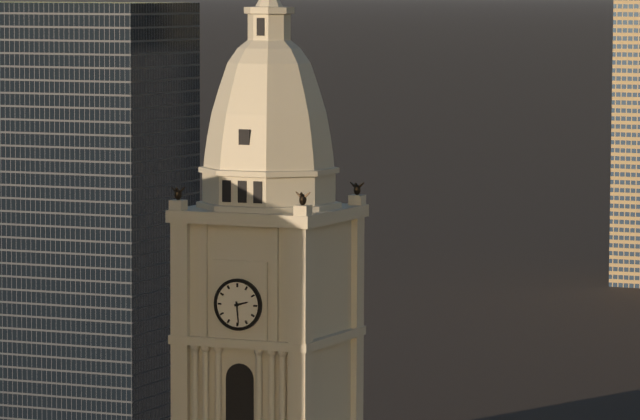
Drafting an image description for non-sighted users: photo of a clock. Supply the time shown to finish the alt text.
2:29
